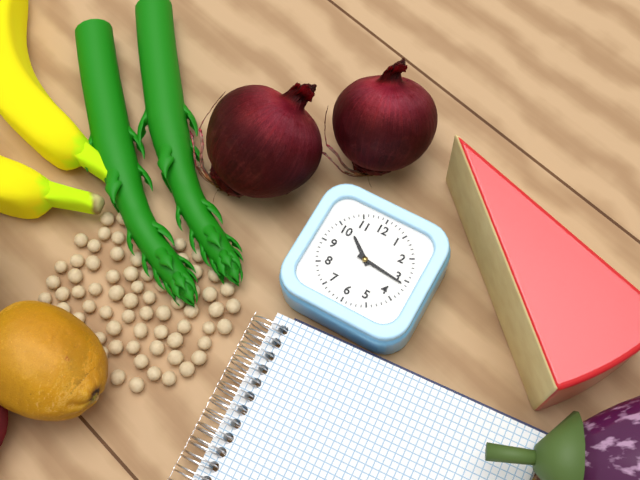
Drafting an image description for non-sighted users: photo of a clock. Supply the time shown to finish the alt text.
10:16
